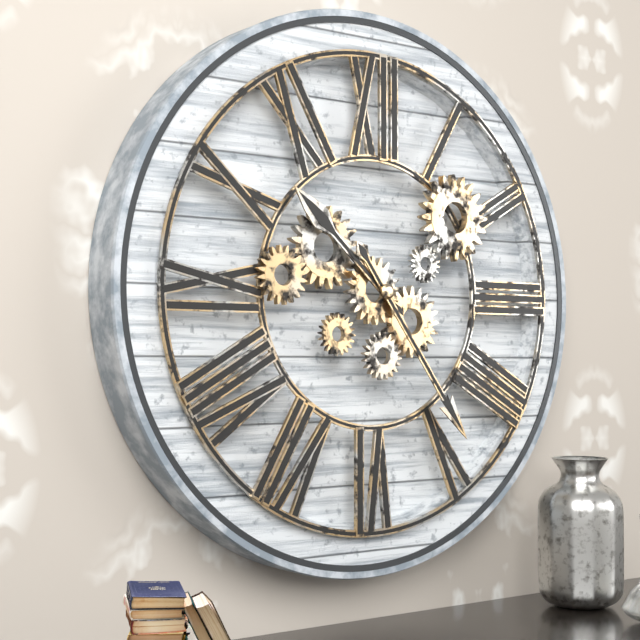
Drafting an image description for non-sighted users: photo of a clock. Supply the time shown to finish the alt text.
10:24
